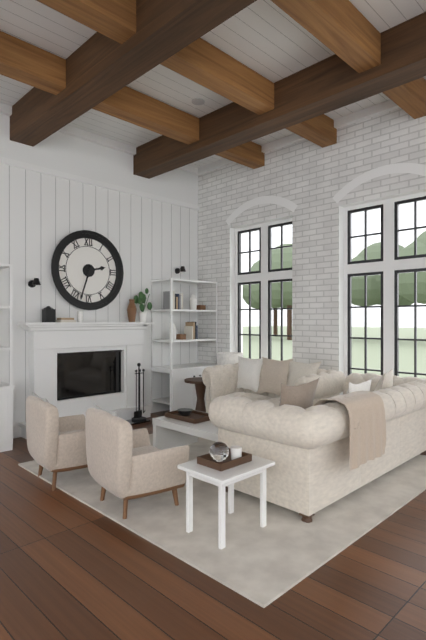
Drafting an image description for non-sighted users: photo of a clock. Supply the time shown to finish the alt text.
2:33
